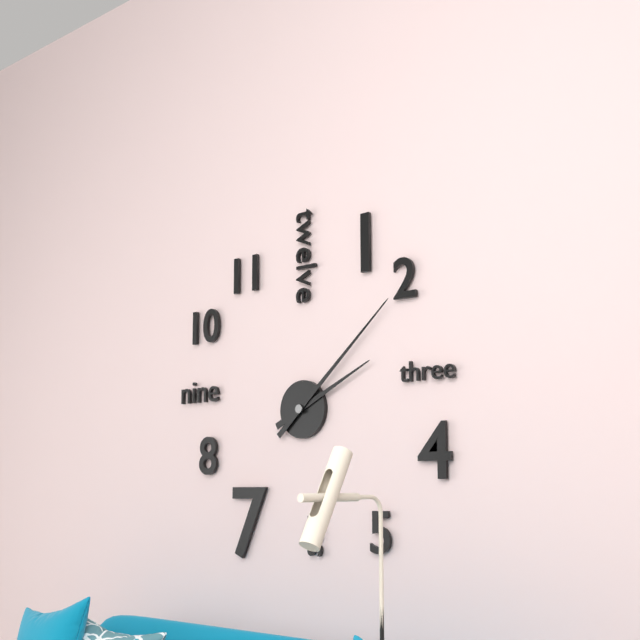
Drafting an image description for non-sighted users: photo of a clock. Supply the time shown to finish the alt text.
2:08
